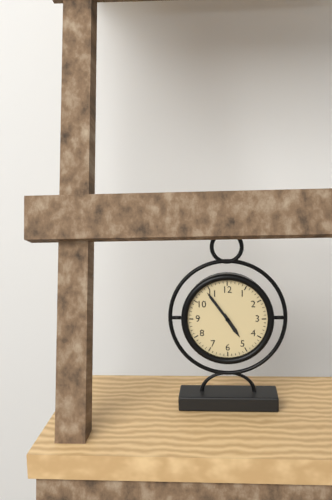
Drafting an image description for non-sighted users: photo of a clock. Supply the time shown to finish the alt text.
4:54
